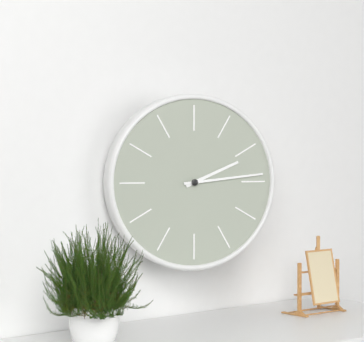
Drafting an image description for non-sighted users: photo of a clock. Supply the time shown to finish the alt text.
2:14
